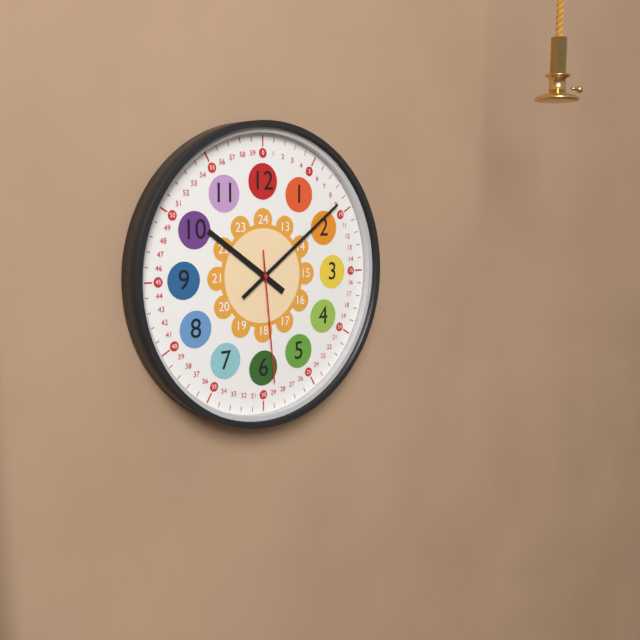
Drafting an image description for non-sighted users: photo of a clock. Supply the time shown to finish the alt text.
10:09:29
